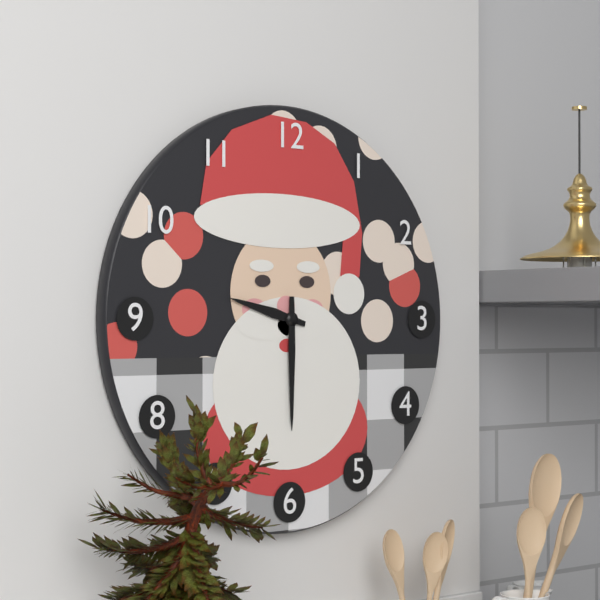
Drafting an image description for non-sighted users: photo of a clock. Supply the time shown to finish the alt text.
9:30
